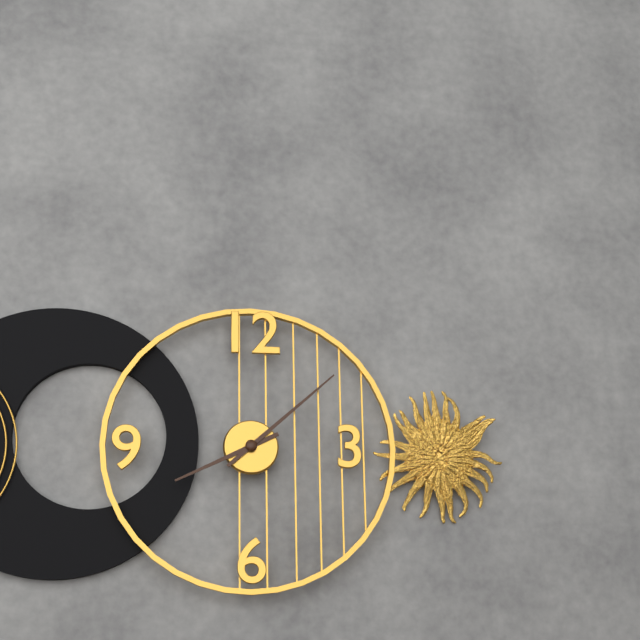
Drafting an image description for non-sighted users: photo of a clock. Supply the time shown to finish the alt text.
8:08
